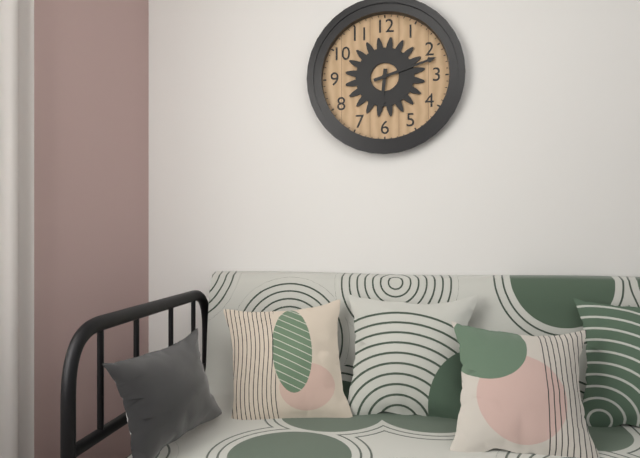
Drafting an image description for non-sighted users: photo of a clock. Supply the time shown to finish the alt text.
6:12
